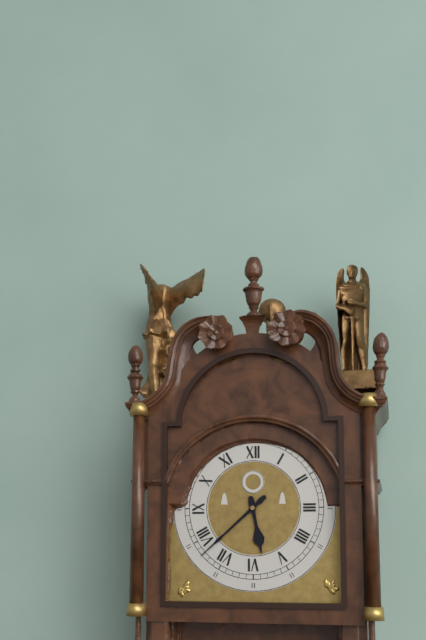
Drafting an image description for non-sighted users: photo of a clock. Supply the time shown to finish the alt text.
5:38
